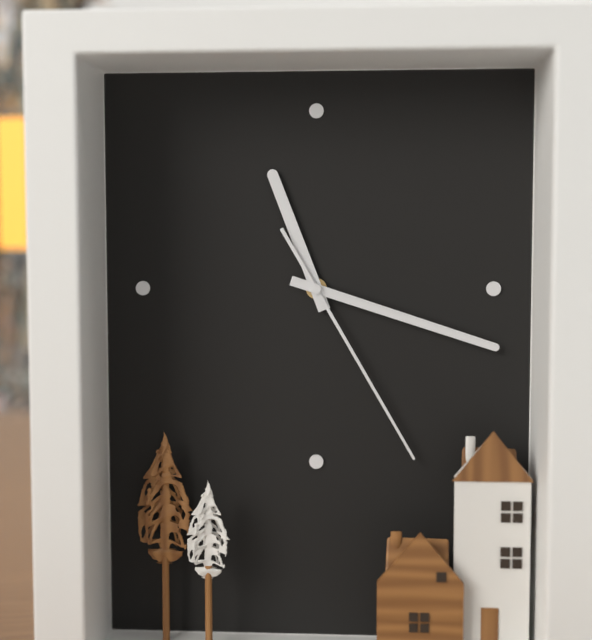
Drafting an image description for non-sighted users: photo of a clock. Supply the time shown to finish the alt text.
11:18:25
